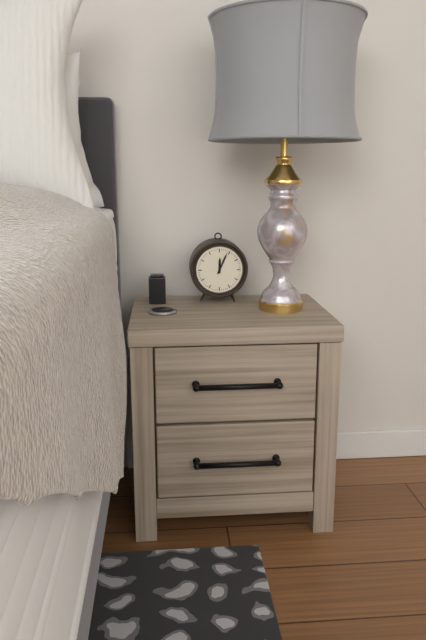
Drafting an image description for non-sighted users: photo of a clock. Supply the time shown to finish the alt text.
12:04
